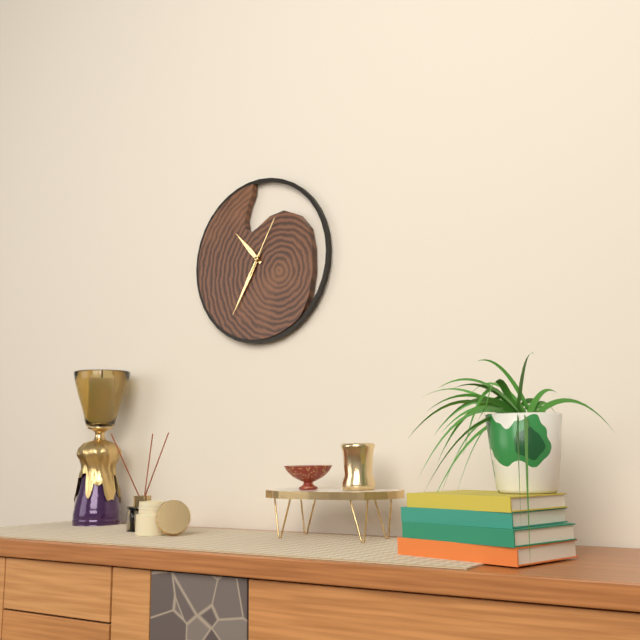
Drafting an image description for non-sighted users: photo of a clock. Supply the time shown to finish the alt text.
10:35:05
